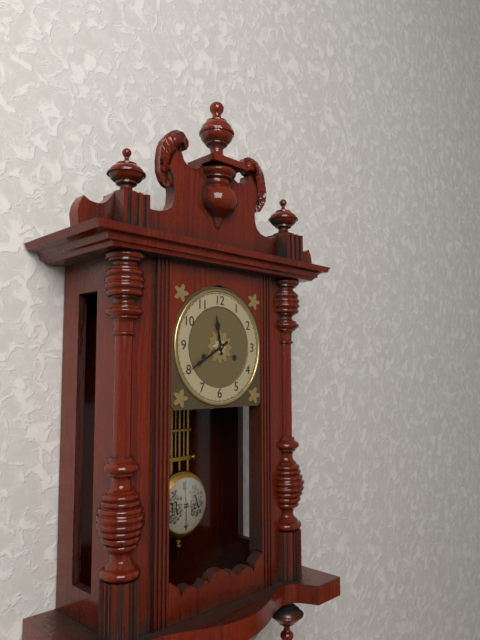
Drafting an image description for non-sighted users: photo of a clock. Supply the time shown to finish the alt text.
11:40
